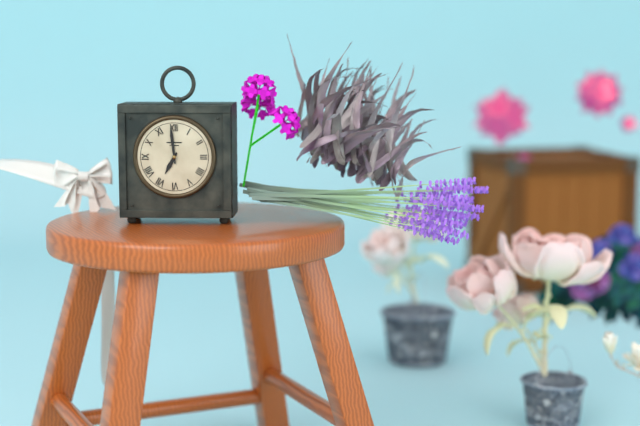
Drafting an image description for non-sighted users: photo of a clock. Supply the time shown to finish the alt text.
6:59
